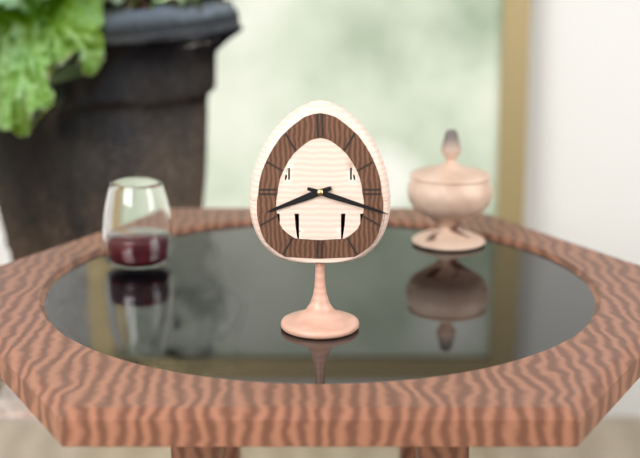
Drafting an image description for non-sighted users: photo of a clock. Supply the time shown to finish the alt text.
8:18
